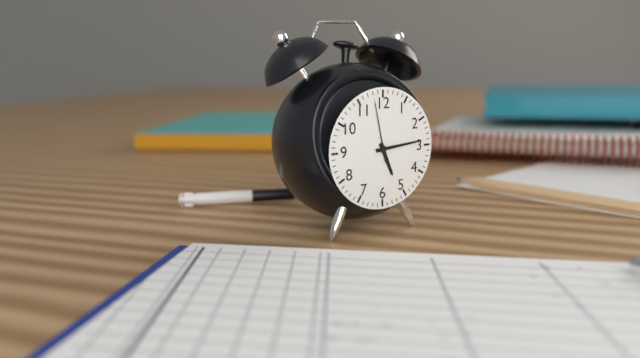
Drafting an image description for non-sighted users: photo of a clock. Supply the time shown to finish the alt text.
5:14:58
